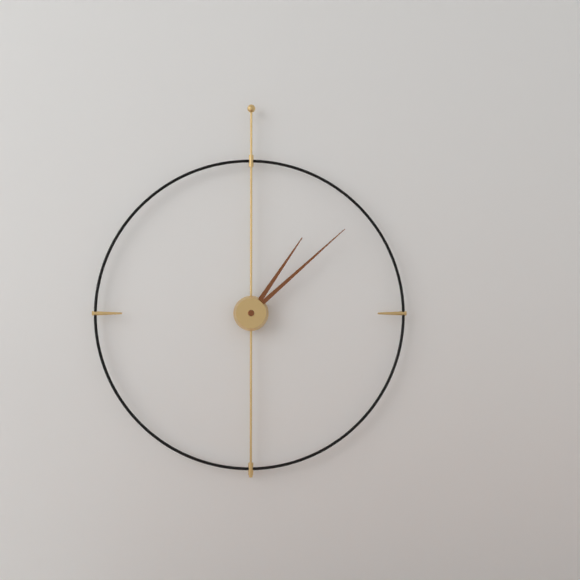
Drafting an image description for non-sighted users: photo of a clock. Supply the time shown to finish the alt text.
1:08
